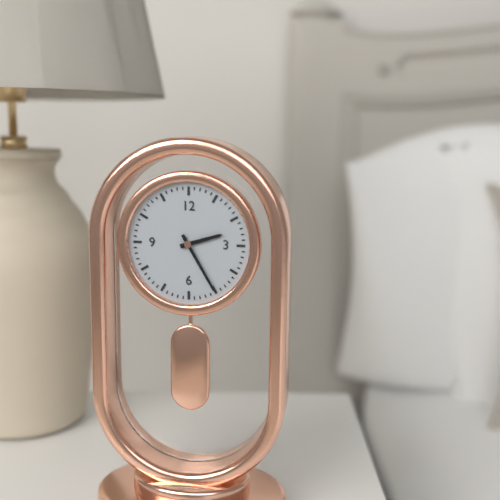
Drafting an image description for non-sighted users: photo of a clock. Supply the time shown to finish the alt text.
2:25
